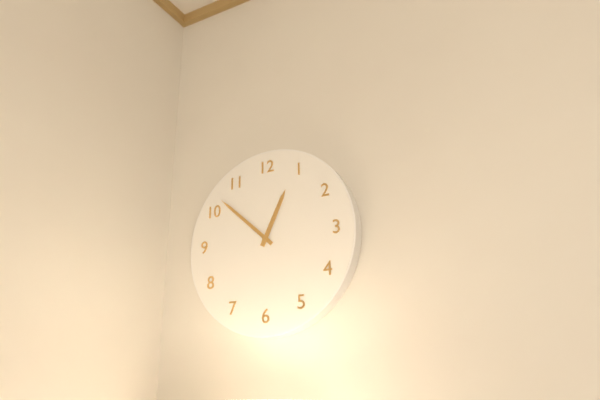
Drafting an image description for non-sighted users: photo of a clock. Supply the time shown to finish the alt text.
12:52
